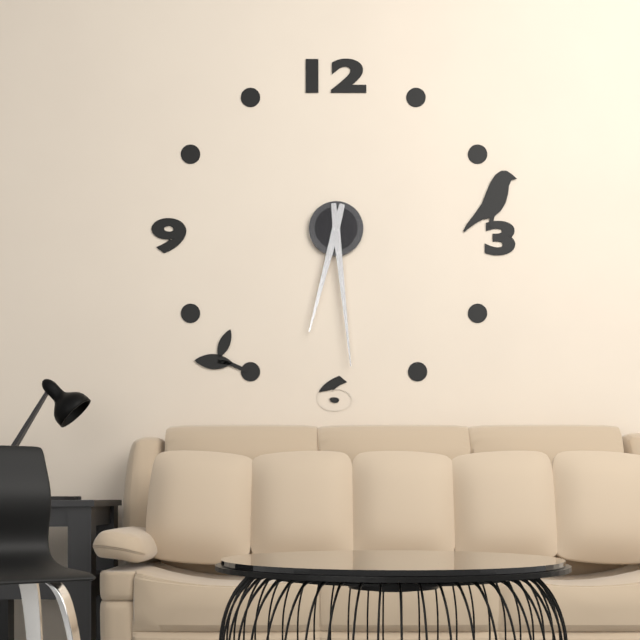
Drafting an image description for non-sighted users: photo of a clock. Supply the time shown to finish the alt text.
6:29
